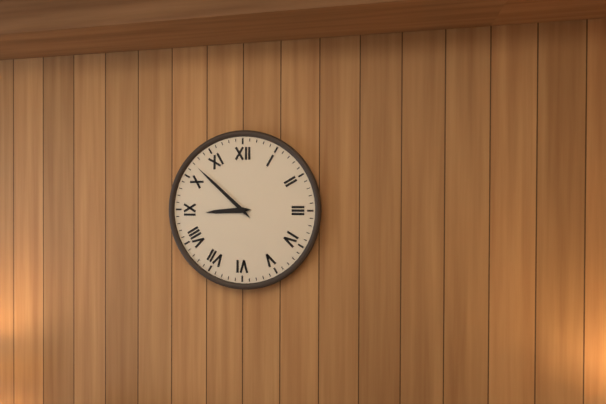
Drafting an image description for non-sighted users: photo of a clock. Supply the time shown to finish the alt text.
8:52
